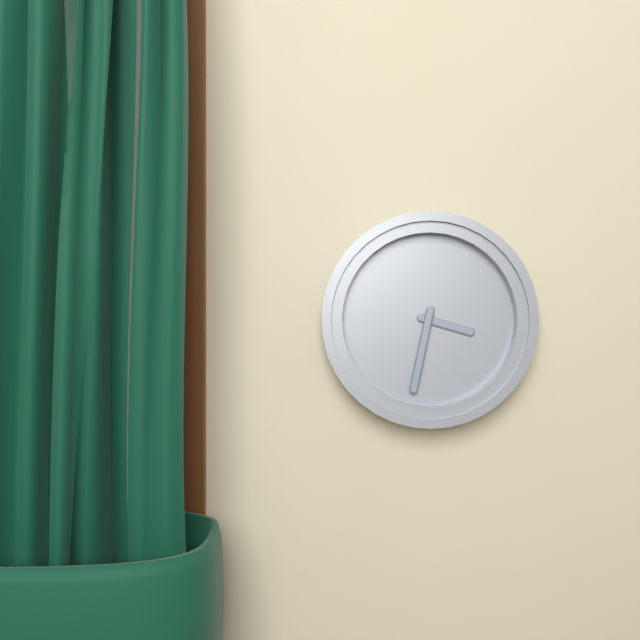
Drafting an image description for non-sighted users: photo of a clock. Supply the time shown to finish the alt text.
3:32
